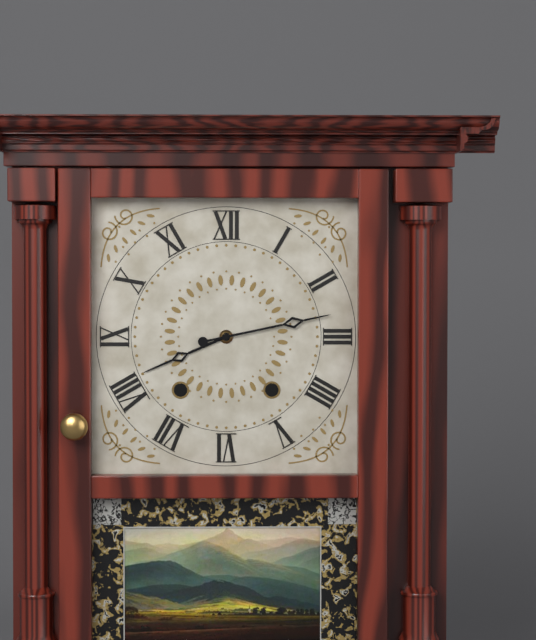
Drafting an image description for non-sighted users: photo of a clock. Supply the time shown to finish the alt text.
8:13
